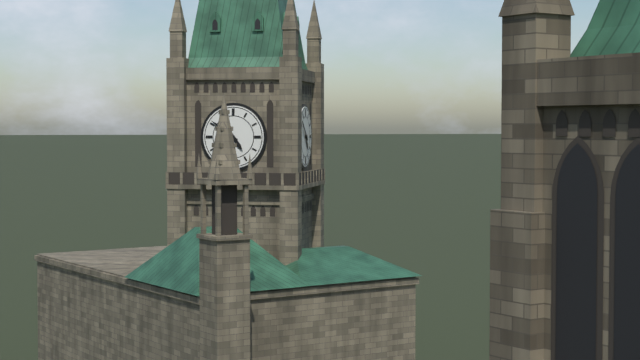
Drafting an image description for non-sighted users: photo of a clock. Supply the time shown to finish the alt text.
4:51
